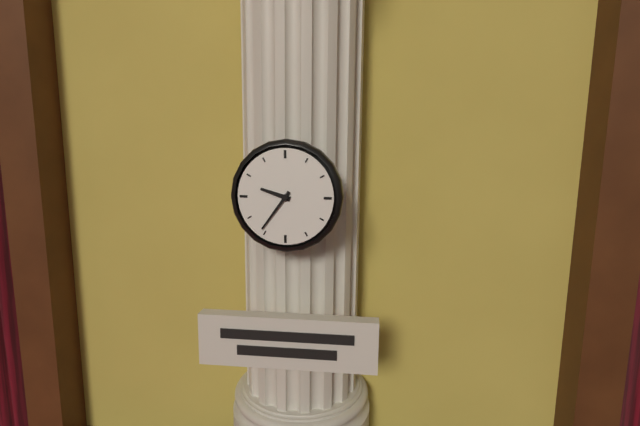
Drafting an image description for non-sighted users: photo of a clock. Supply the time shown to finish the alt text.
9:36
